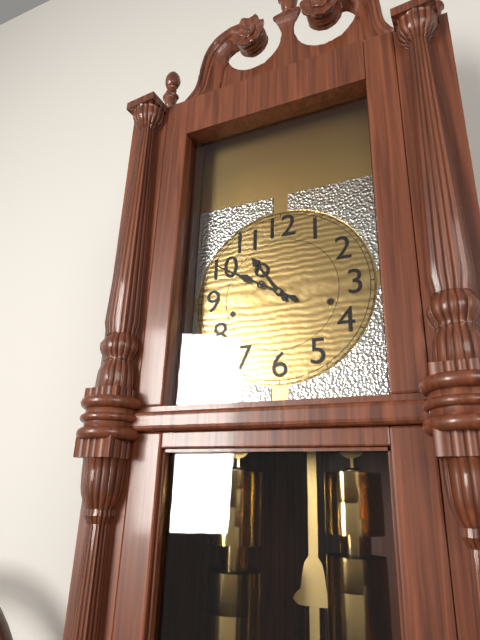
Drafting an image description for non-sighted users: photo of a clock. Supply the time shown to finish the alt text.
10:50
